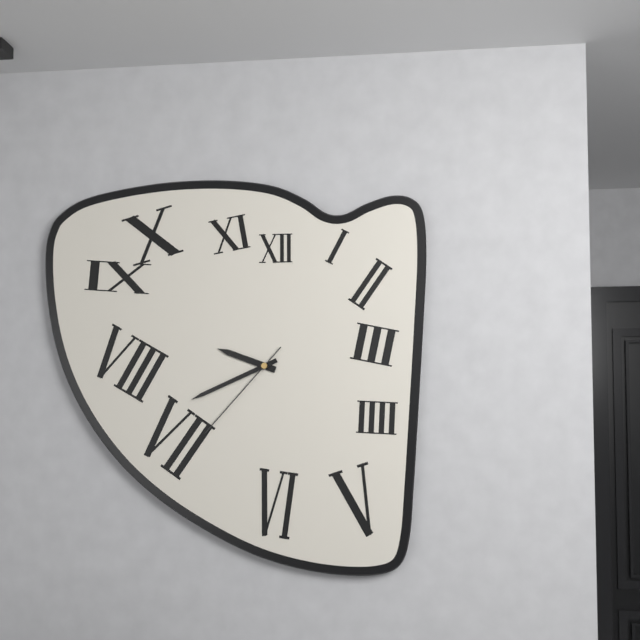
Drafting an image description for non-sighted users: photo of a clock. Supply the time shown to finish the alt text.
9:41:37
